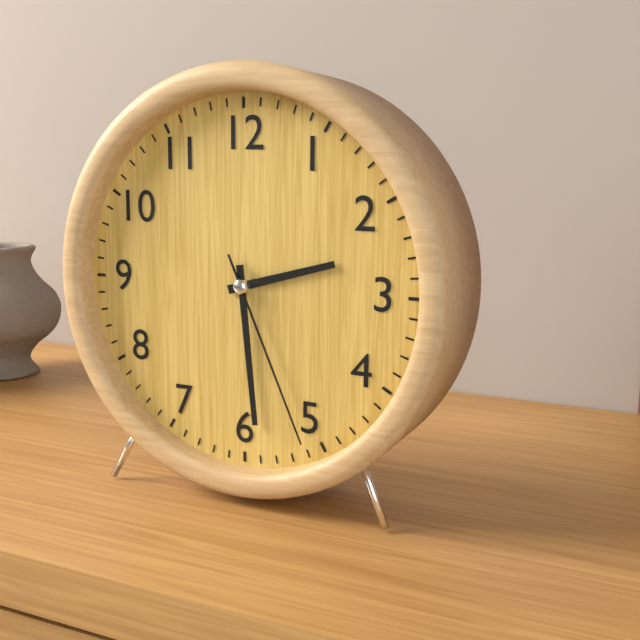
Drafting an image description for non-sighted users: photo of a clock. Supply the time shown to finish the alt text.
2:29:26
